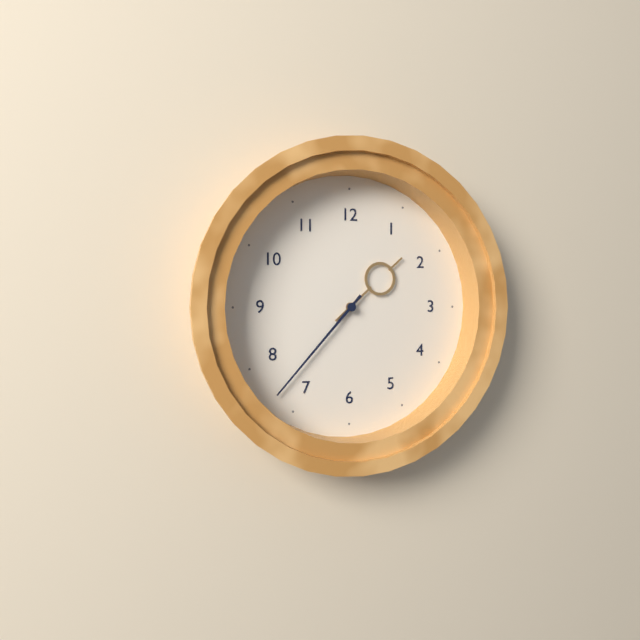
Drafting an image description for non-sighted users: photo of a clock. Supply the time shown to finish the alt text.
1:37
